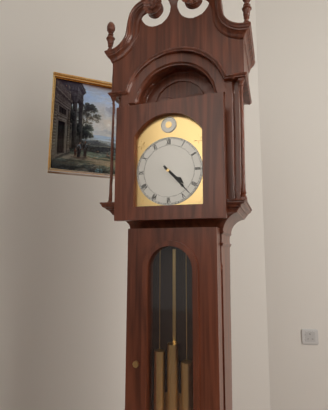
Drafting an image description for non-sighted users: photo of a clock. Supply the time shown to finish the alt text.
4:23
